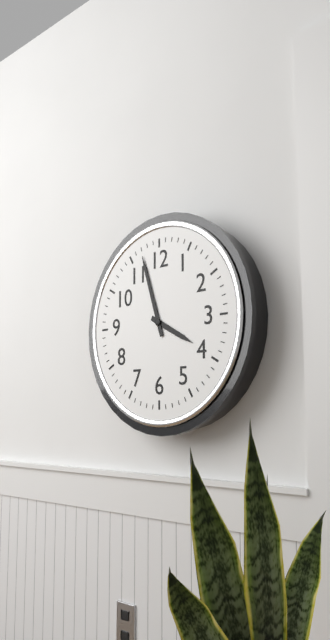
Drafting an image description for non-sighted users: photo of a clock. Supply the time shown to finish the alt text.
3:57
